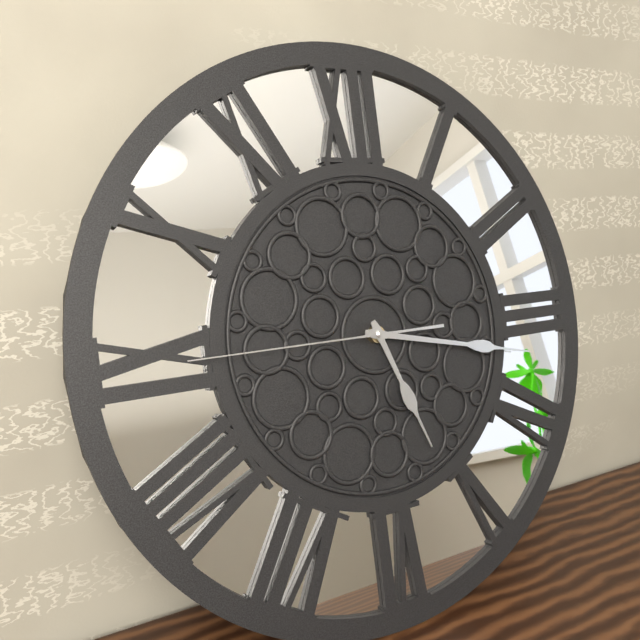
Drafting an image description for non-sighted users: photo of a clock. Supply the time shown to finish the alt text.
5:17:45
